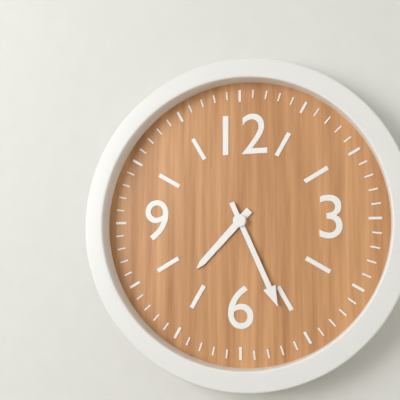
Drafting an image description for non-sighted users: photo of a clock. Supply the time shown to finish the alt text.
7:26
